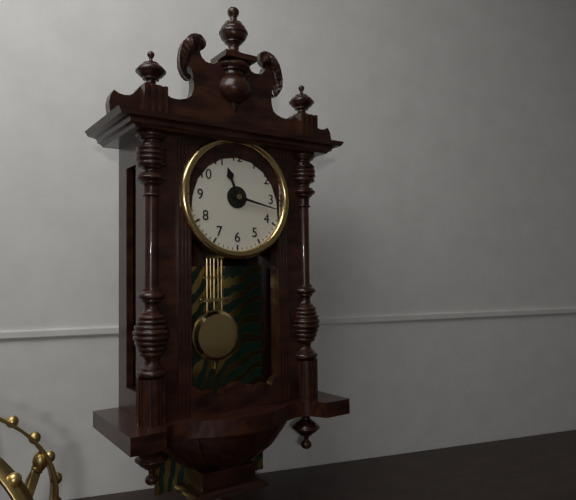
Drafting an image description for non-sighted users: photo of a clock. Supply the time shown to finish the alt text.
11:17
